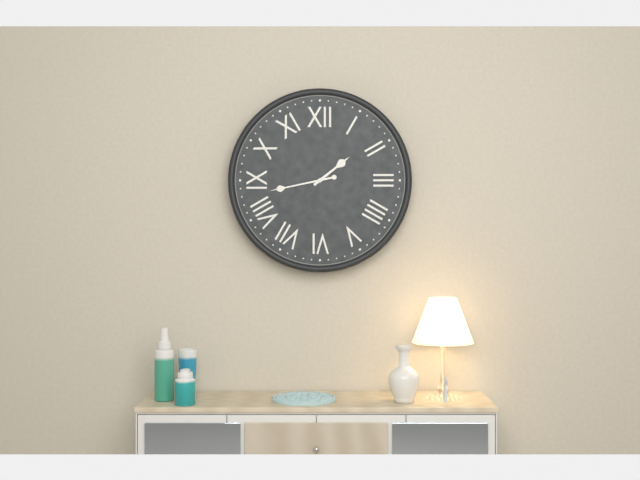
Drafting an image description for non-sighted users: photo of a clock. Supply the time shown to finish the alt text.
1:43
